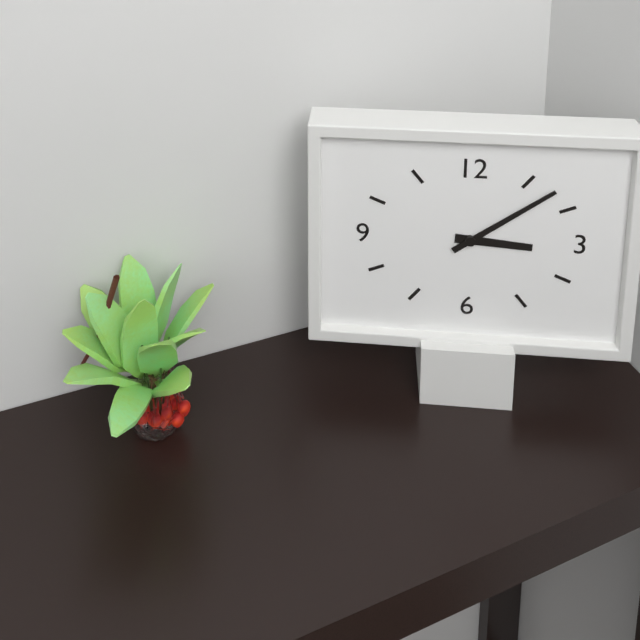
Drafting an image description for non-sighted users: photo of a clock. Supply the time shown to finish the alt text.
3:09
